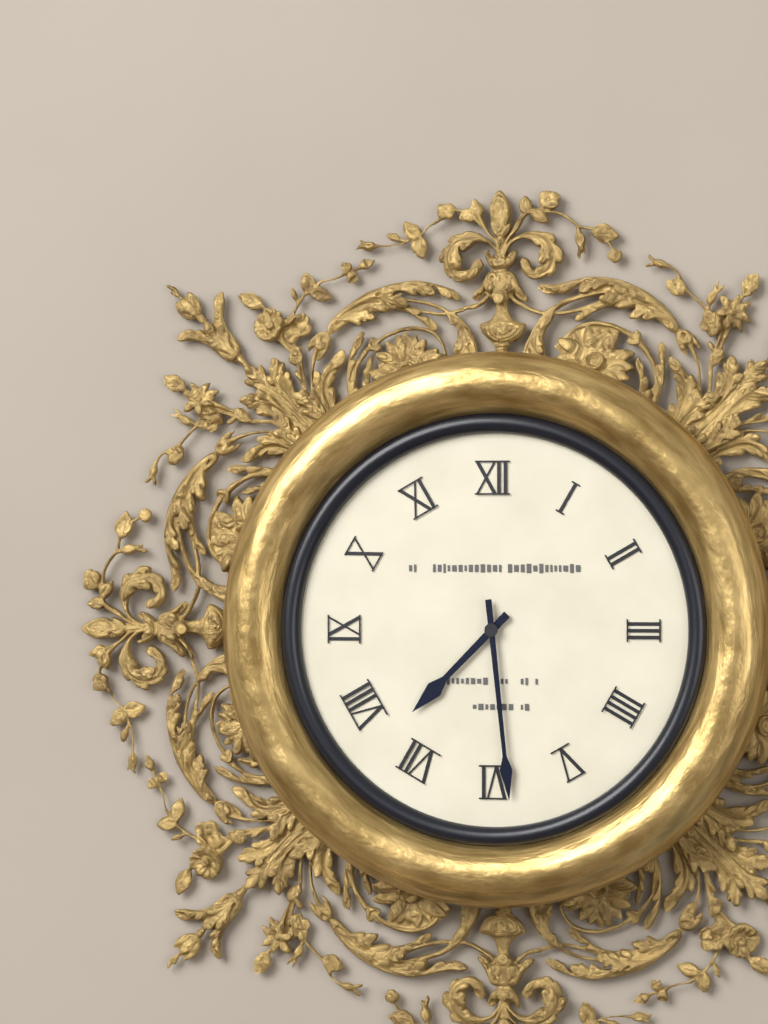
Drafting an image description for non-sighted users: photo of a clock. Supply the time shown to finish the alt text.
7:29
